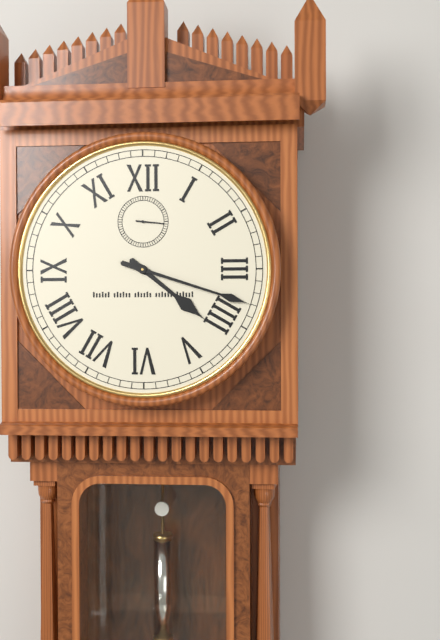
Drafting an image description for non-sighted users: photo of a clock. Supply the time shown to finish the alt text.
4:18
